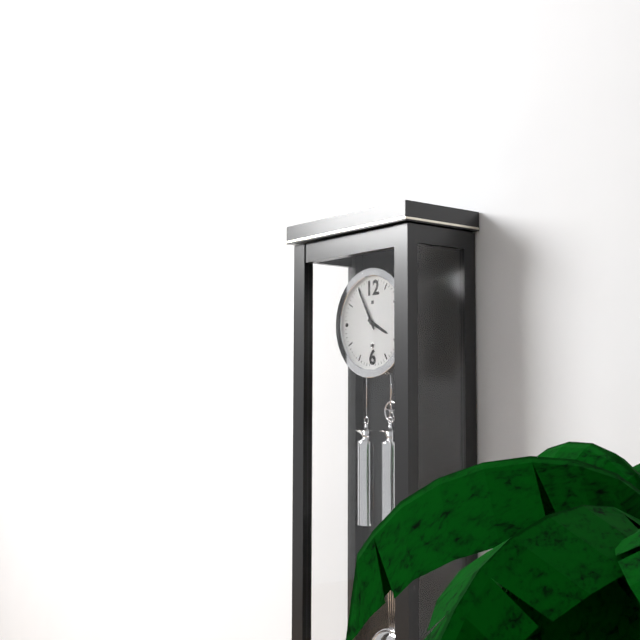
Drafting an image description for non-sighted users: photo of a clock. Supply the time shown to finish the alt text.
3:55
